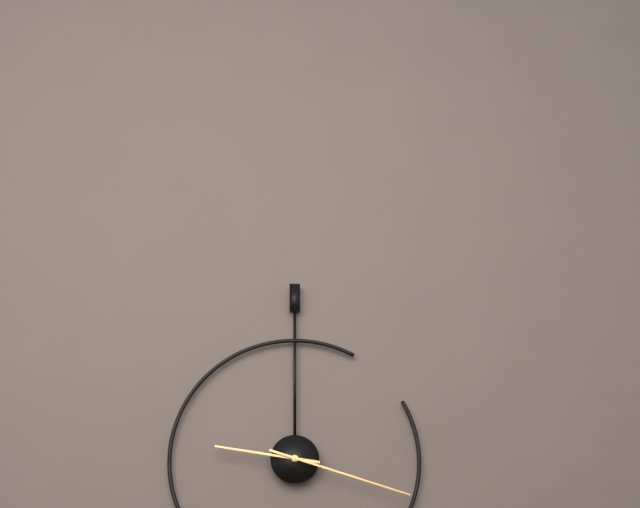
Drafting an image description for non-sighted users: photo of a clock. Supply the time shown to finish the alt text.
9:18
